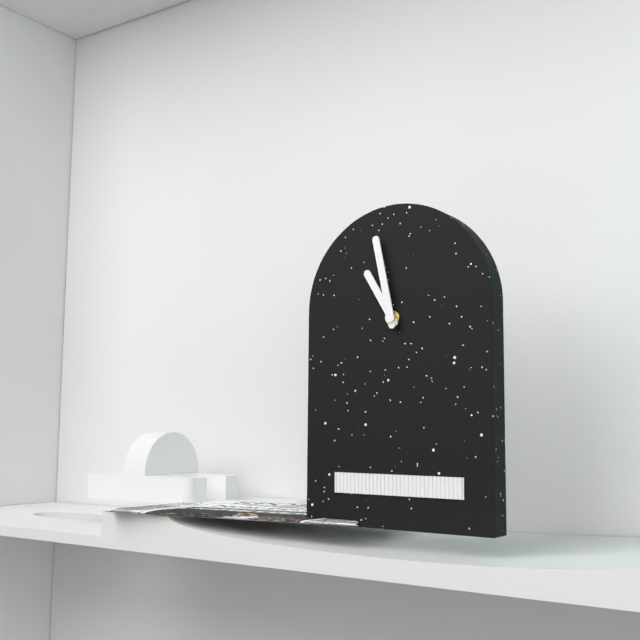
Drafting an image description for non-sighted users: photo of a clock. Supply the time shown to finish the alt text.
10:58
